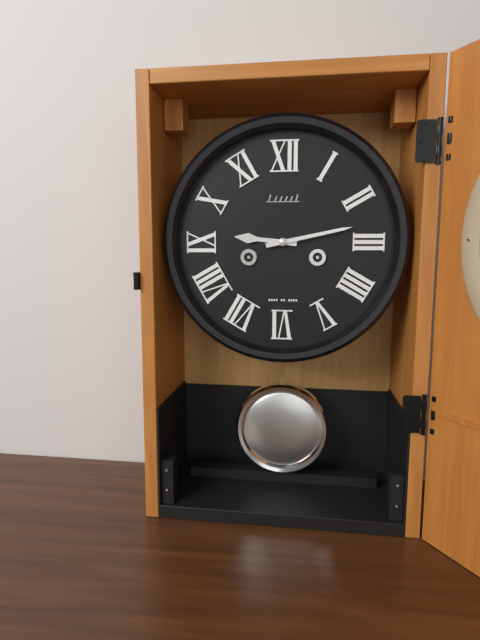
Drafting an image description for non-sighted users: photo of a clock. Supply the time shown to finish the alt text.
9:13
